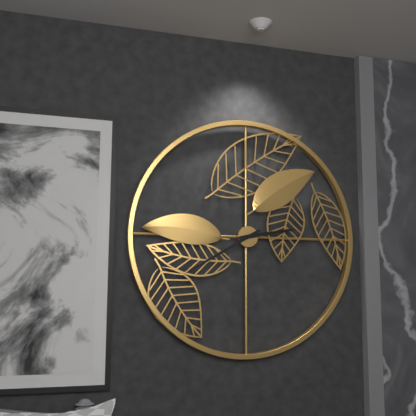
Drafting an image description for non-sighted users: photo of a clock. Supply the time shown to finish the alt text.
2:40
